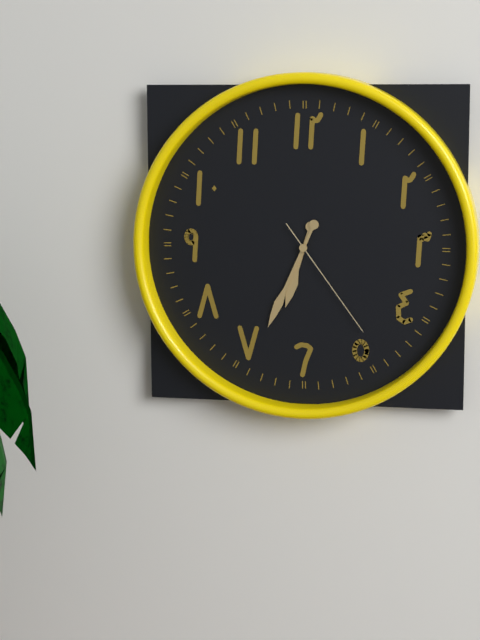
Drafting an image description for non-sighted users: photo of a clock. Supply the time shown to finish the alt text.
6:34:24
